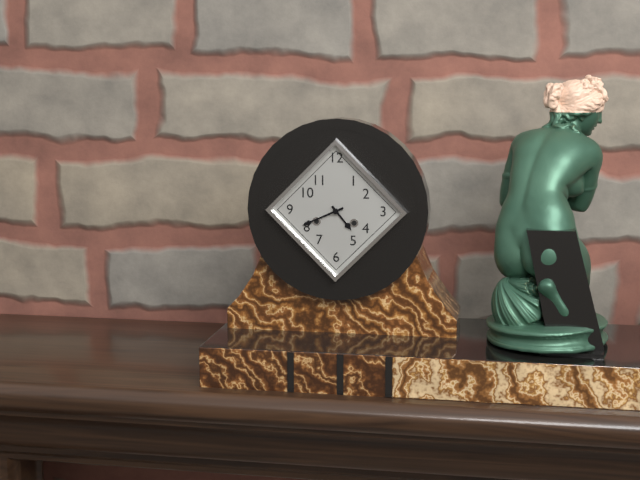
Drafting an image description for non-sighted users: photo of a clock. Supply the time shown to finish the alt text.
4:41
